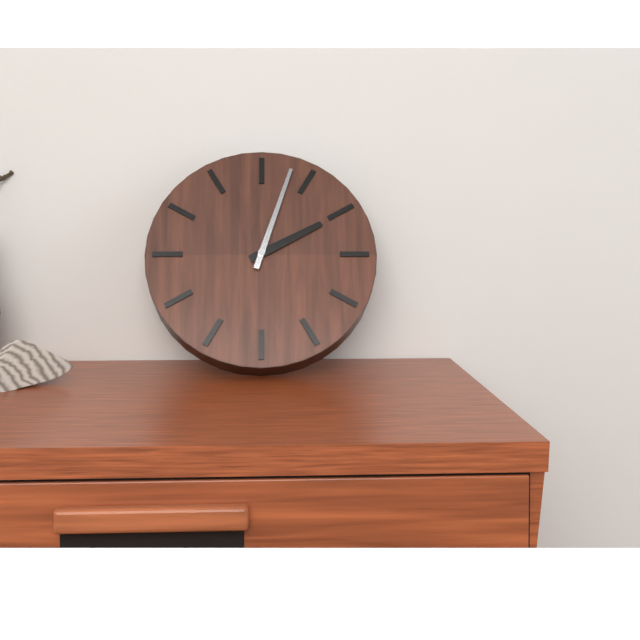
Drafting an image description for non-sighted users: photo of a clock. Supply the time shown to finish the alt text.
2:03
